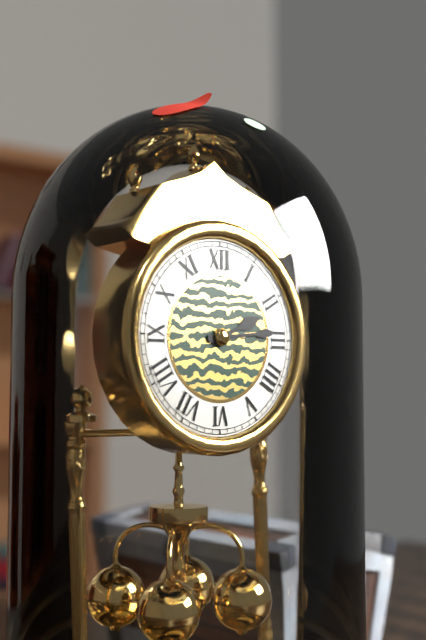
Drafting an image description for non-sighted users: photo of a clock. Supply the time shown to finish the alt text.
2:14
